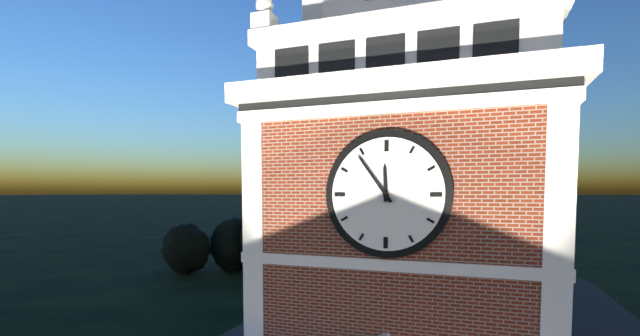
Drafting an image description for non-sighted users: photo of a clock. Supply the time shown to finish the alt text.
11:54
